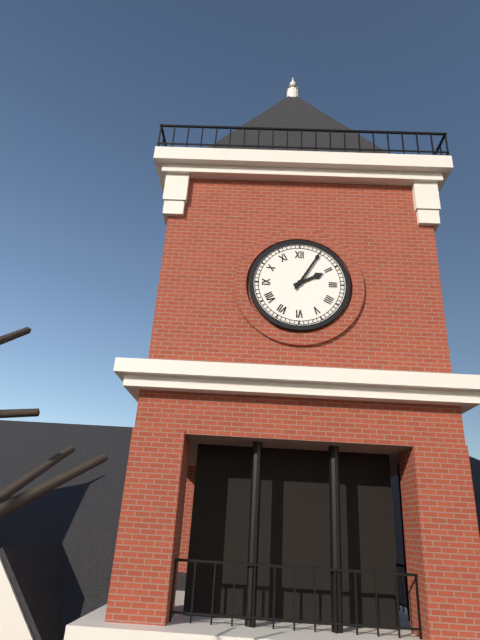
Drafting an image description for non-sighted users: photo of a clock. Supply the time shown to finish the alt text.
2:05
